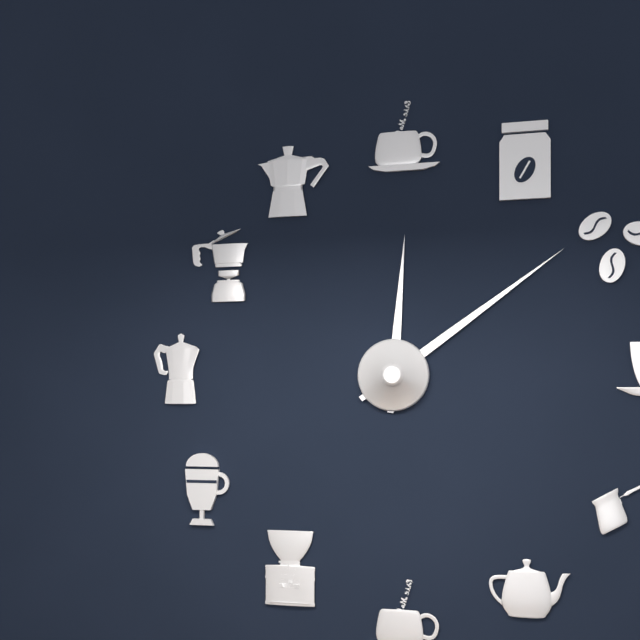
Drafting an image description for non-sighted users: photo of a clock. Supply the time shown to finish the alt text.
12:09
